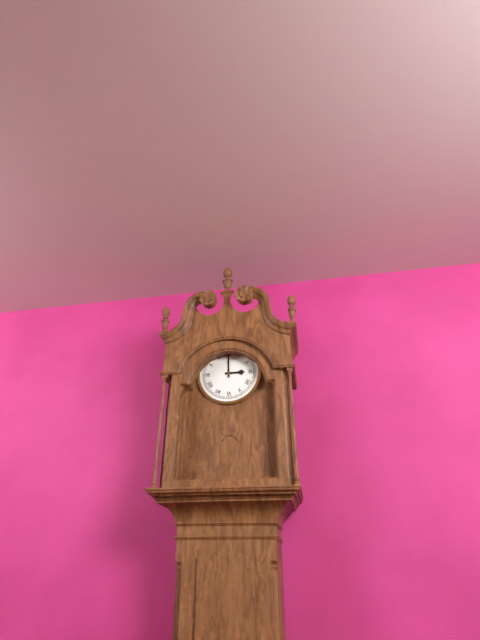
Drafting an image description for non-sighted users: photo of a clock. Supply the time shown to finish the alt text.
3:00
